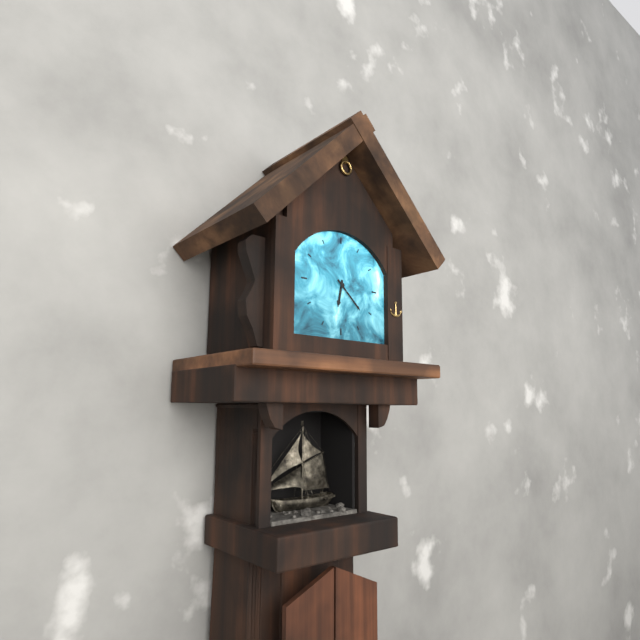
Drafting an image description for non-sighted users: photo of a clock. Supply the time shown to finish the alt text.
6:22
